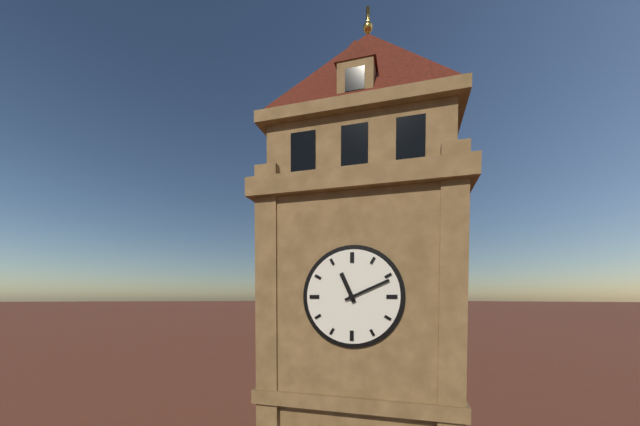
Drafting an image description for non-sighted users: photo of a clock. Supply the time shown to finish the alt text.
11:11
